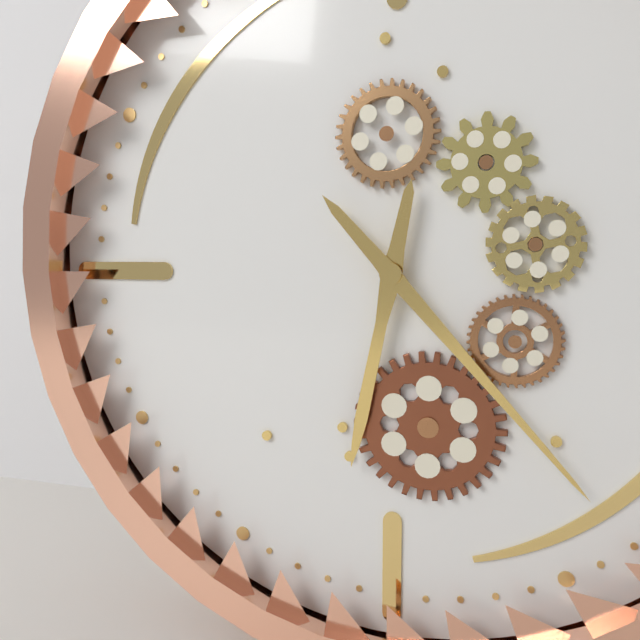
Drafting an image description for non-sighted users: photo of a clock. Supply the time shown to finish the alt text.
6:23
